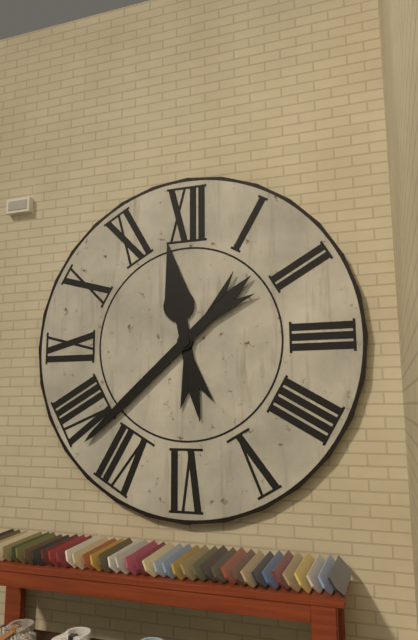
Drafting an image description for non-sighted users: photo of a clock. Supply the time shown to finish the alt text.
11:38
